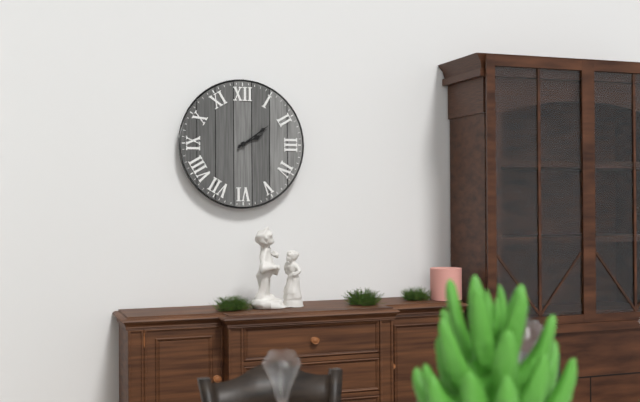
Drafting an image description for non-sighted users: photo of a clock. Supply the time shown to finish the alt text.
2:09
